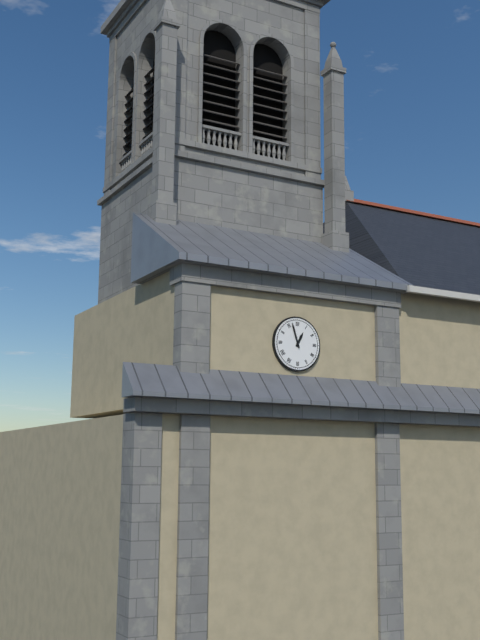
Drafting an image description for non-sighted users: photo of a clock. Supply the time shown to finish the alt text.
12:57
